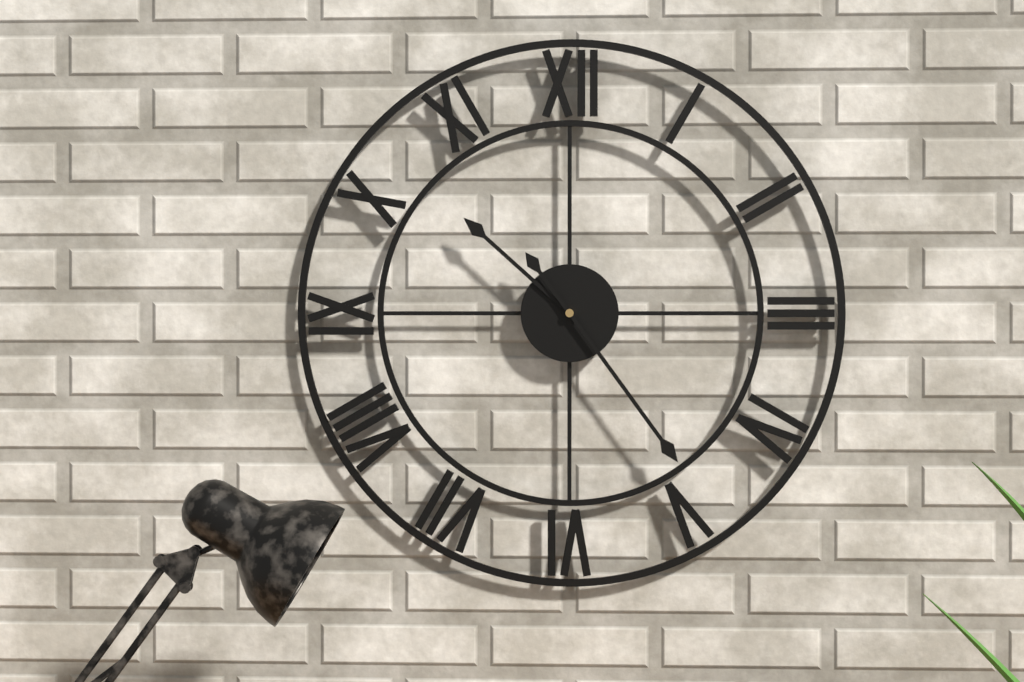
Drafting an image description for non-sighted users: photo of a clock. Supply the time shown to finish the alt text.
10:24
